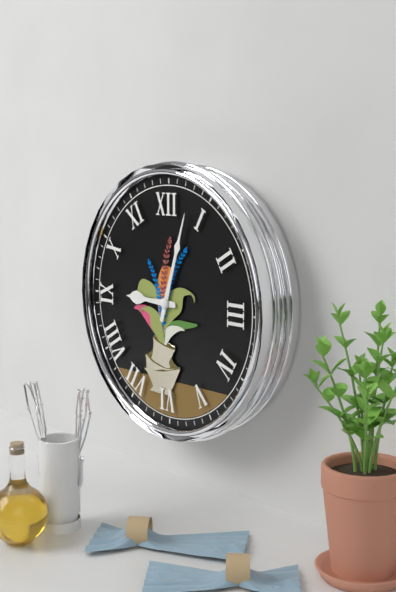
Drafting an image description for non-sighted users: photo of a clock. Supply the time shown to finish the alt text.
9:03
